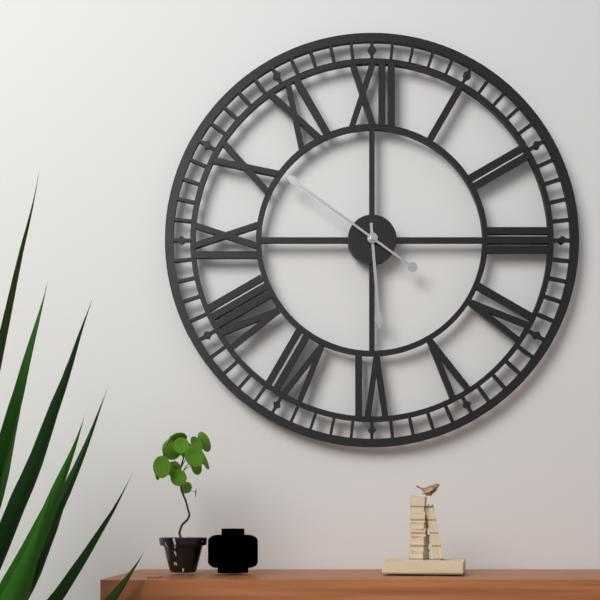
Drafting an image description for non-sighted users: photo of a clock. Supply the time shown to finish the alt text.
5:51
